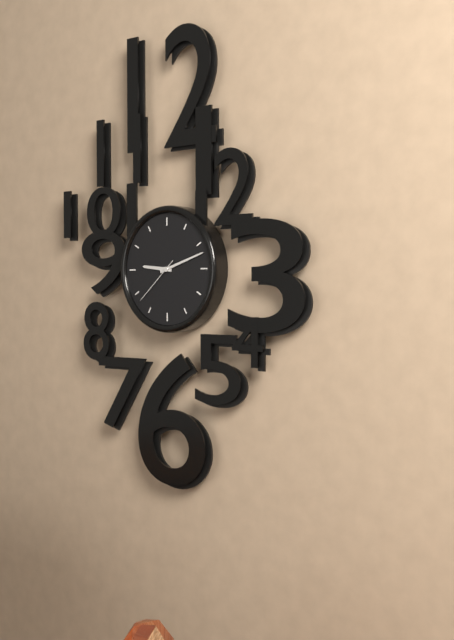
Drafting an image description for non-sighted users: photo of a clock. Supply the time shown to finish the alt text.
9:12:38
